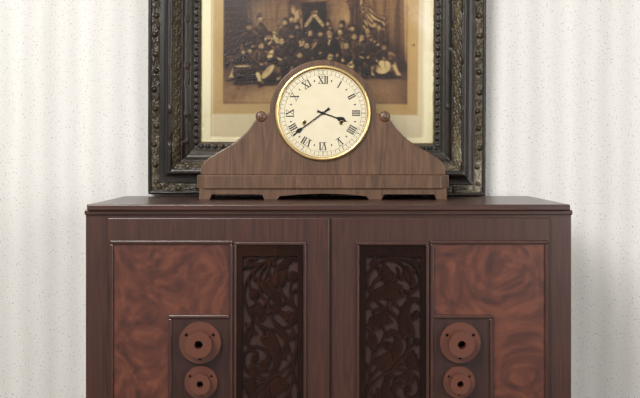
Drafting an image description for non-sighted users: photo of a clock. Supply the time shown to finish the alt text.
3:39
